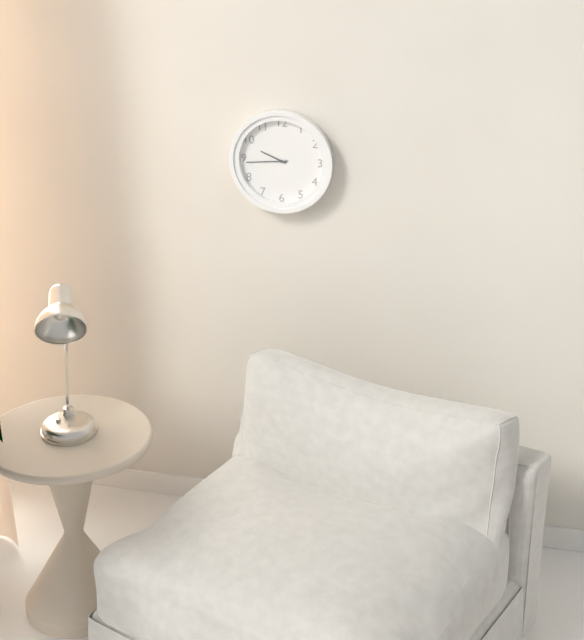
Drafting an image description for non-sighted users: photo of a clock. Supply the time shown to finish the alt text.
9:44
